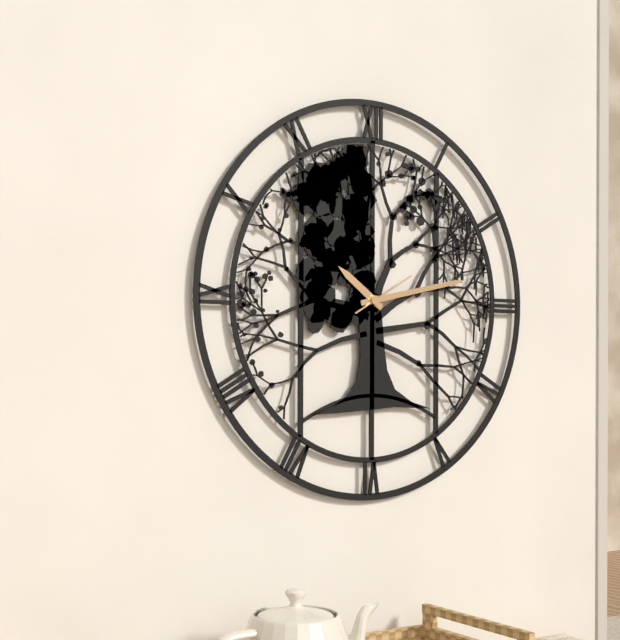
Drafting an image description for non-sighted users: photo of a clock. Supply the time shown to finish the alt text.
10:13:10
